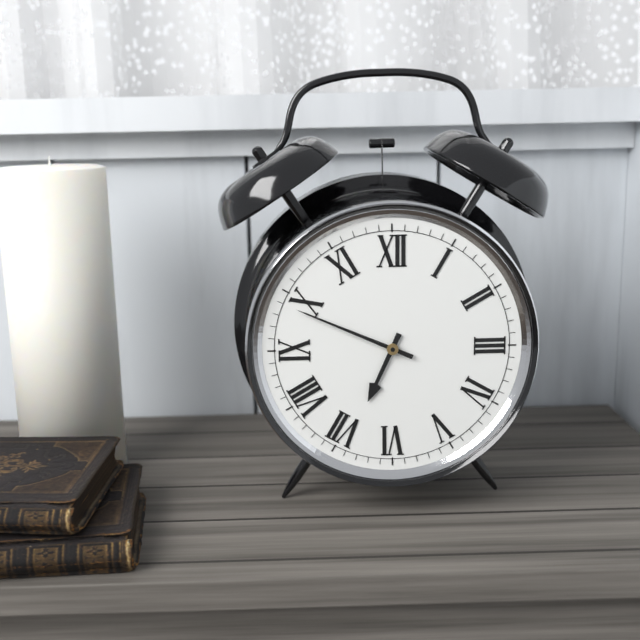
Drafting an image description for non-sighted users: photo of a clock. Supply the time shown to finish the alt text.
6:49
